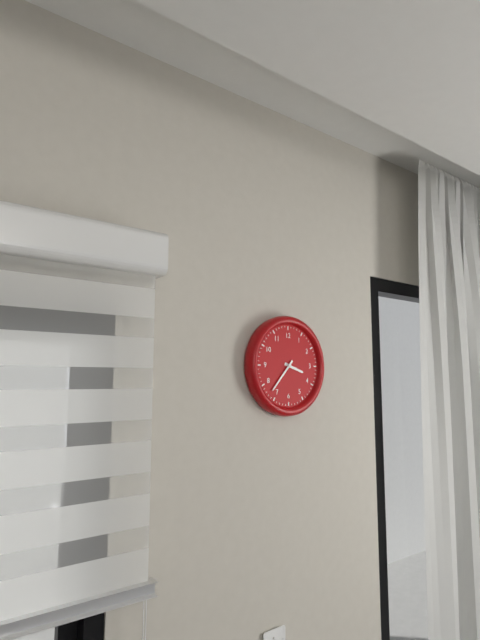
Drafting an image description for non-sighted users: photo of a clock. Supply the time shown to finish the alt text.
3:37
